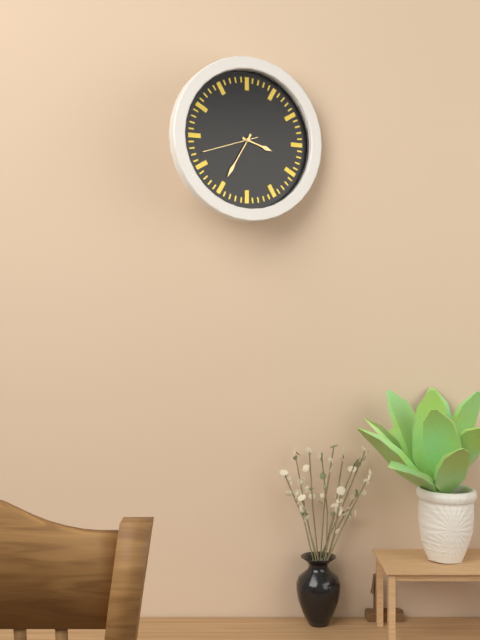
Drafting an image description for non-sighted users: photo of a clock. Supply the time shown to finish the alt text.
3:35:42
